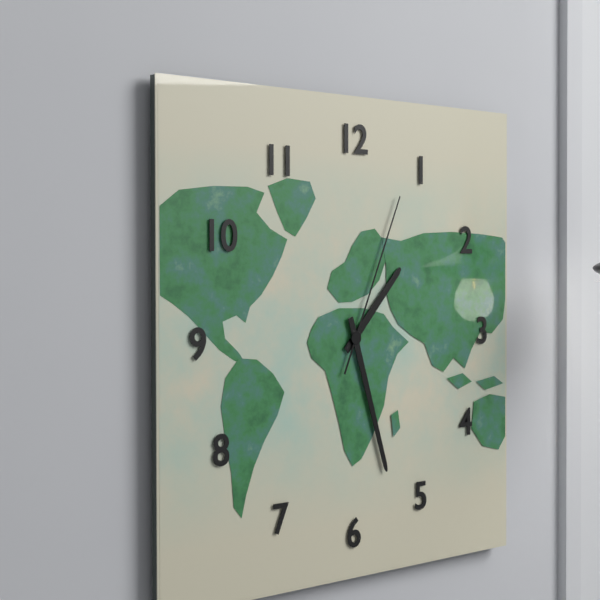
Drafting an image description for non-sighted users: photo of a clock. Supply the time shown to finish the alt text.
1:27:04
